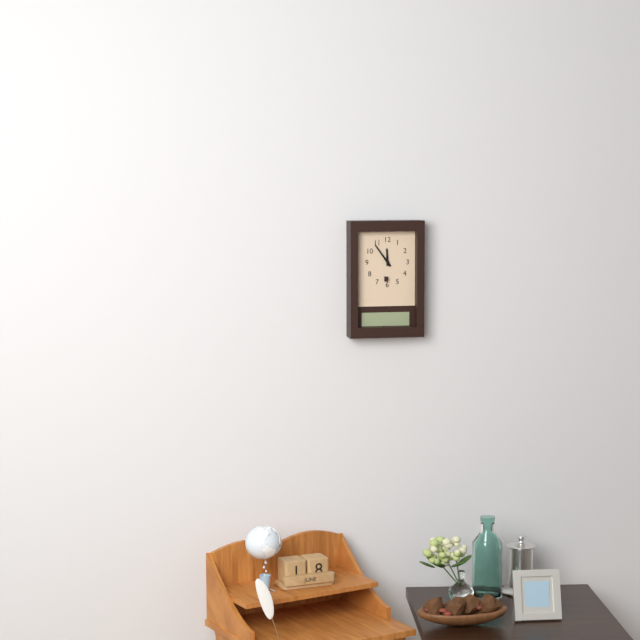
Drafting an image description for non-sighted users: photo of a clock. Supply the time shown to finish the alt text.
11:54
